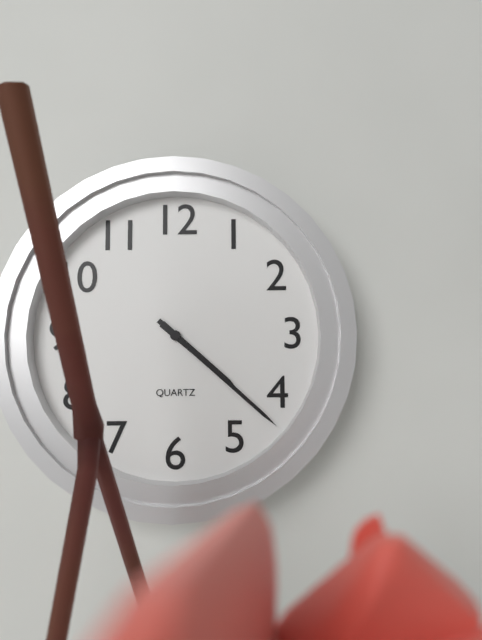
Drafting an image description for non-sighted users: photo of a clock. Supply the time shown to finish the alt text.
4:22
